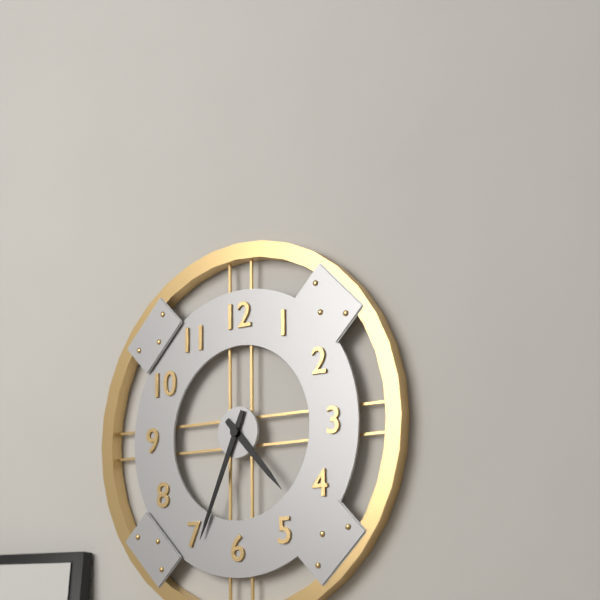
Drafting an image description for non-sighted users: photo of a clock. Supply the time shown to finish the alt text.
4:34
